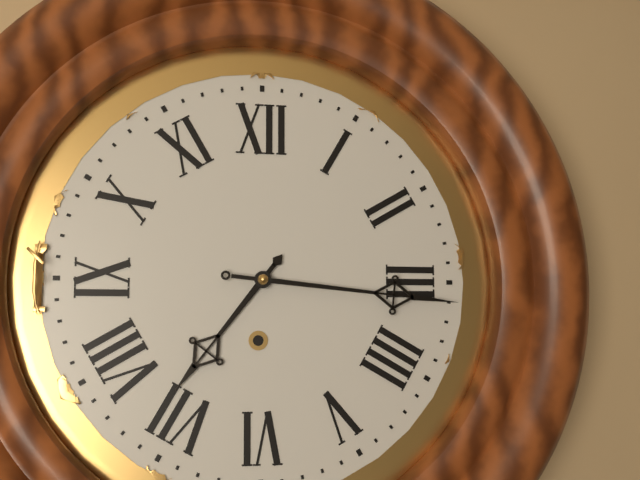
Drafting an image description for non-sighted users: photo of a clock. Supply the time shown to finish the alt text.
7:16
